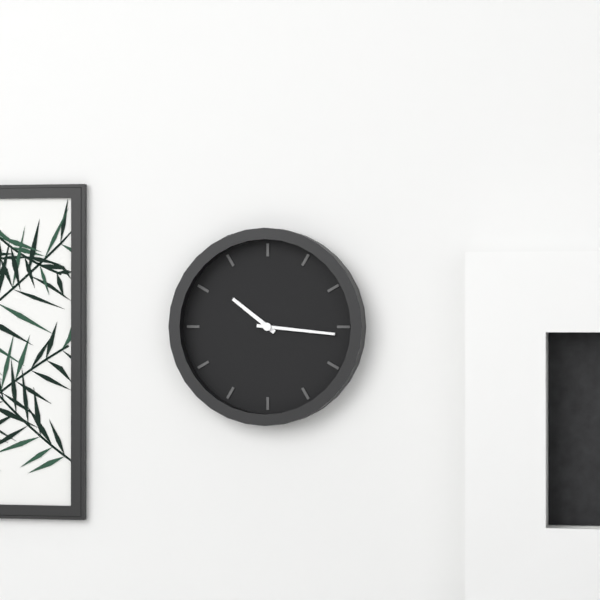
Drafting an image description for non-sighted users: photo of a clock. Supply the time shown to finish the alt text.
10:16
